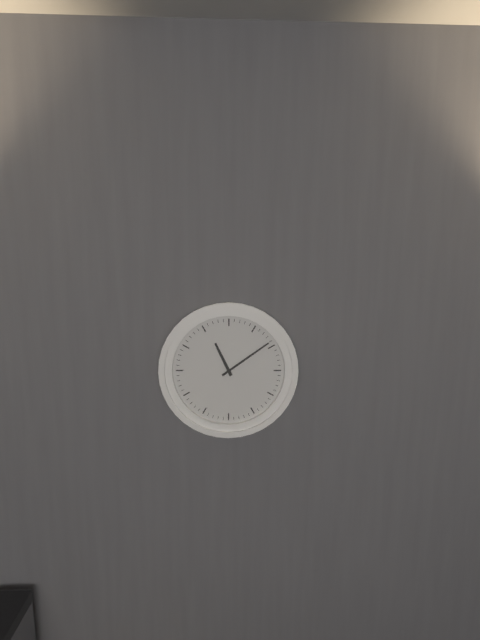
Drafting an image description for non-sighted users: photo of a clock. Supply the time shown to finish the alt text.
11:09
